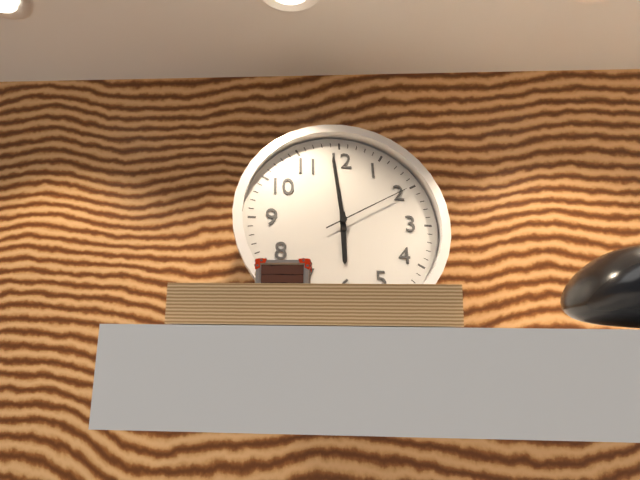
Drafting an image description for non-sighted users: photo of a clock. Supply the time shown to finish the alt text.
5:59:10
